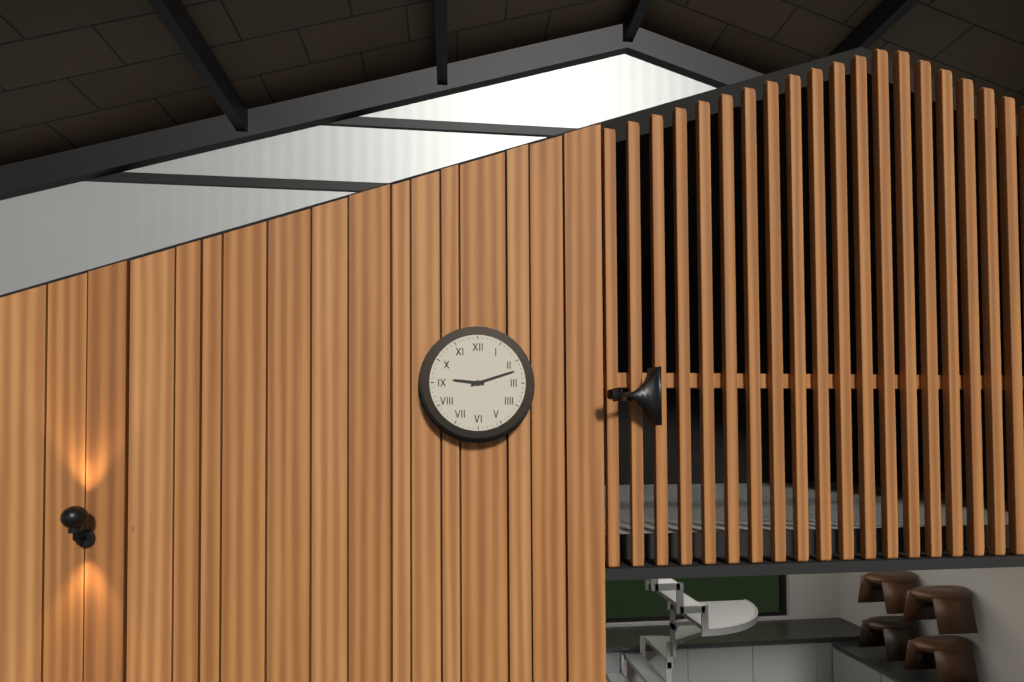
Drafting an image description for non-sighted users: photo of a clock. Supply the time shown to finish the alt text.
9:12
